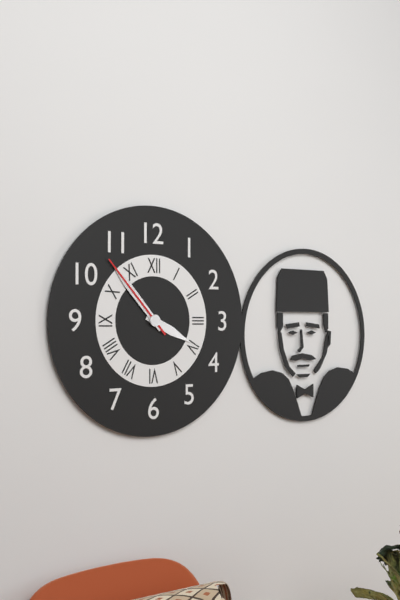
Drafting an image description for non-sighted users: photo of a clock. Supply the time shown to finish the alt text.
3:53:53
